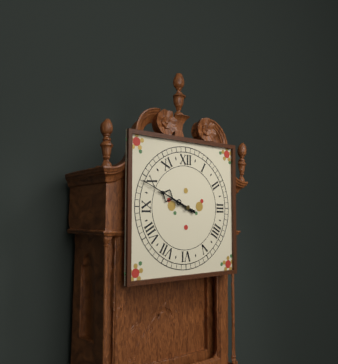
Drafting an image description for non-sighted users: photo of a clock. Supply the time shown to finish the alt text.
9:49
